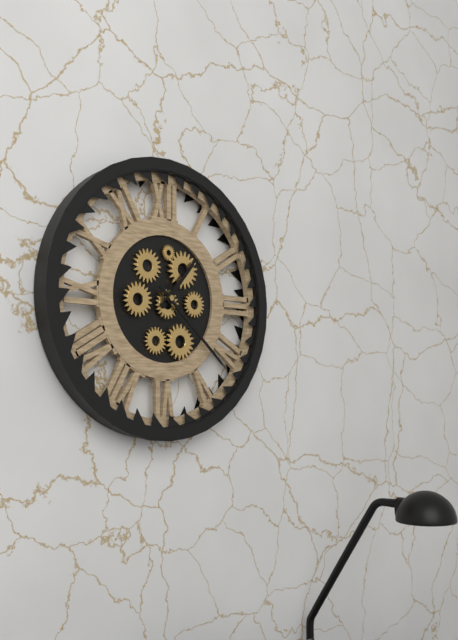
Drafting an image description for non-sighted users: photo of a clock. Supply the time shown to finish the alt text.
1:22
